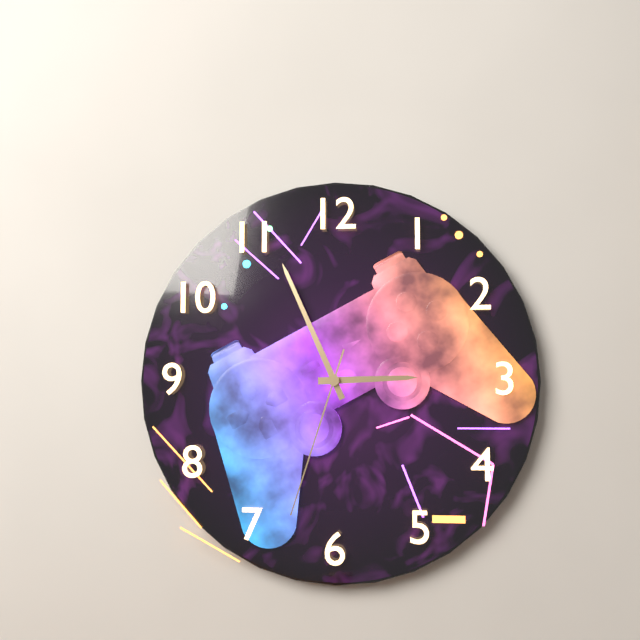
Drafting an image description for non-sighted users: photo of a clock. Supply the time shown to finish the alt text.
2:56:33
